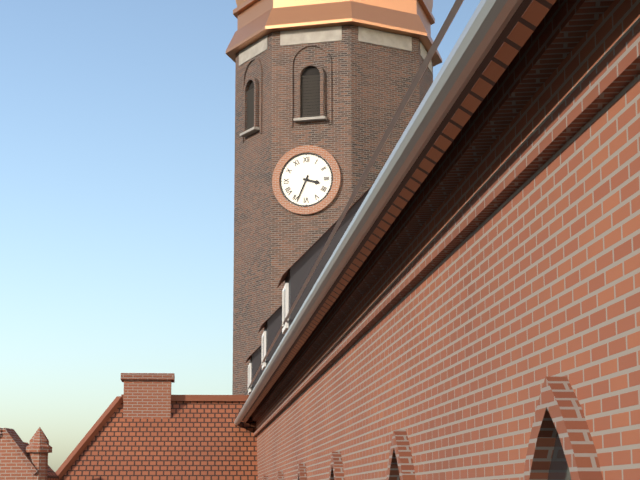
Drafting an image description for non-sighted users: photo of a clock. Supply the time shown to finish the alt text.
3:34
